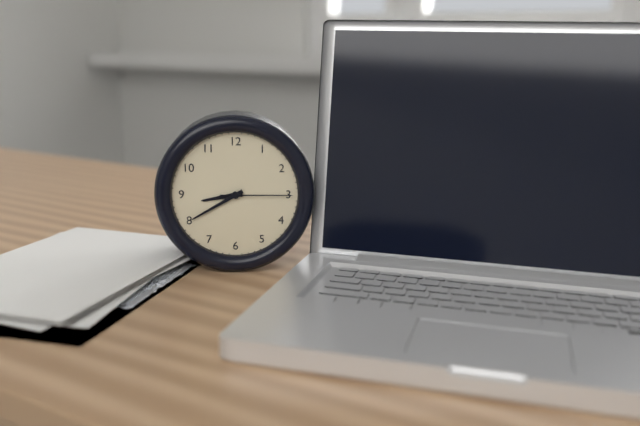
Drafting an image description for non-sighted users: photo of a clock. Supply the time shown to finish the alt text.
8:40:15
